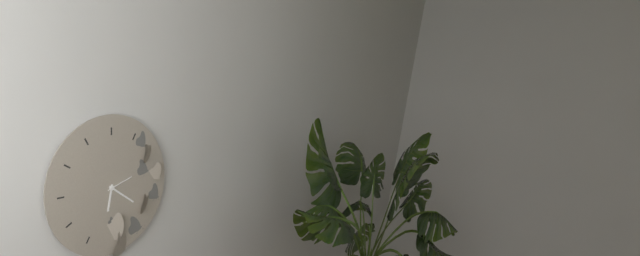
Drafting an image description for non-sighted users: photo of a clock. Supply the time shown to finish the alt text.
6:21
